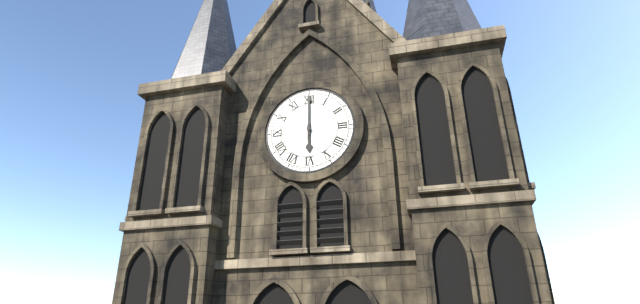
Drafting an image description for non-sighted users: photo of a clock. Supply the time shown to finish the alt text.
6:00
